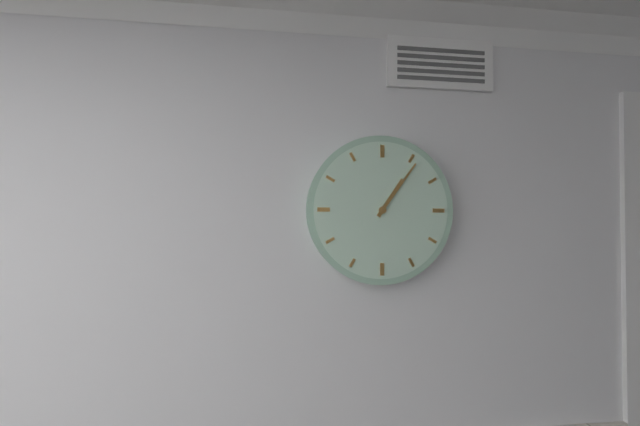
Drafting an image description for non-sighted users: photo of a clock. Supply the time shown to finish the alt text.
1:06
